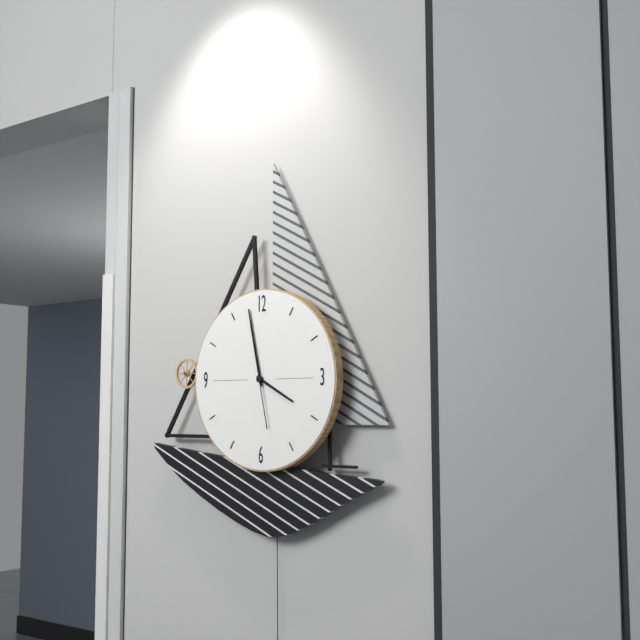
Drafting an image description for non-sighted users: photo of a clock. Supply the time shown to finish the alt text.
3:58:58
